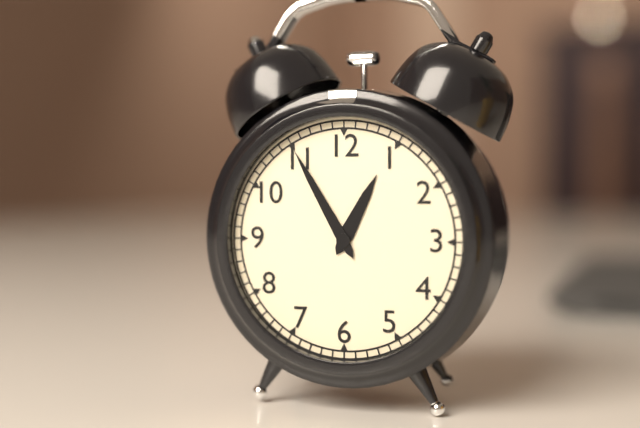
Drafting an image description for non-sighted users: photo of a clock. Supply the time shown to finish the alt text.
12:55
